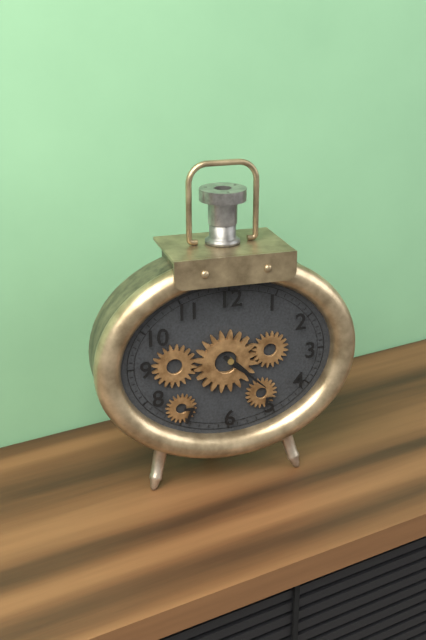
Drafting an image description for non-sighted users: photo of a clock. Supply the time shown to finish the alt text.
4:22
